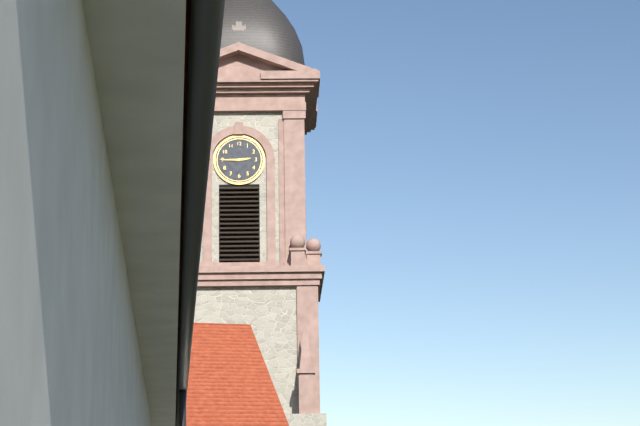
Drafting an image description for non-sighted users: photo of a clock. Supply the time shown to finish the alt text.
2:45
